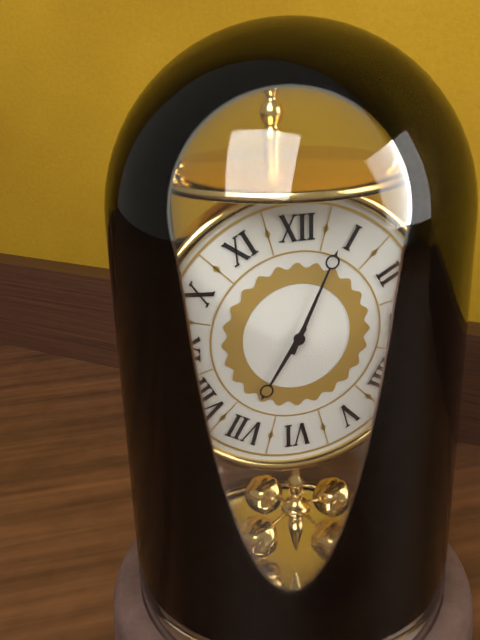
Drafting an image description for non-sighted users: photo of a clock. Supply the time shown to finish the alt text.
7:04
